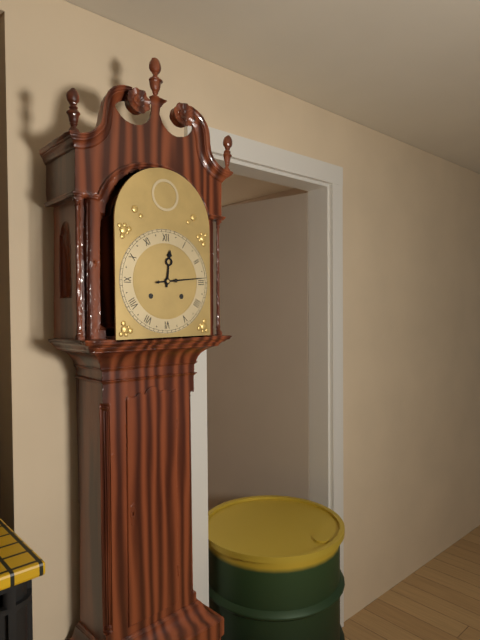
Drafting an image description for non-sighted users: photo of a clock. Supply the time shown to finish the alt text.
12:14
